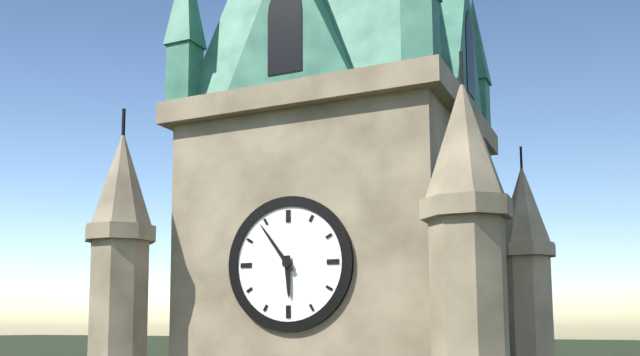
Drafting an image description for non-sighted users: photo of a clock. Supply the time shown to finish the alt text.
5:54
